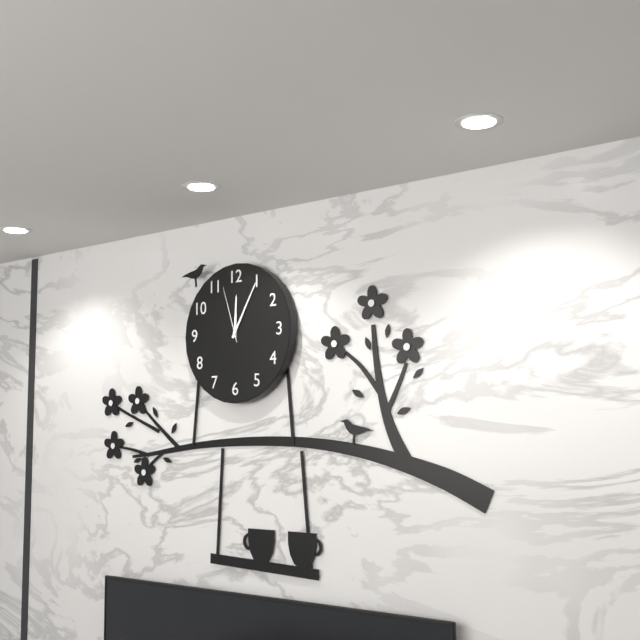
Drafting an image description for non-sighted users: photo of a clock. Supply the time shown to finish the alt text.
12:05:57
